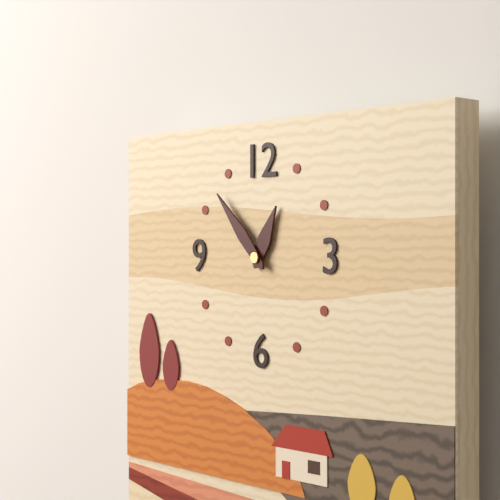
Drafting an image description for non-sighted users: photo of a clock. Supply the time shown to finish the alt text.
12:53
